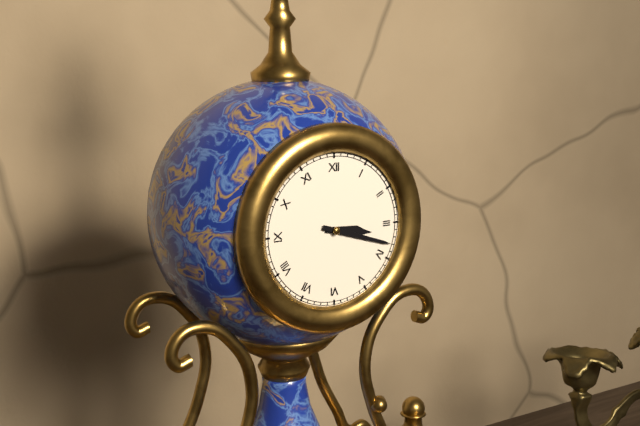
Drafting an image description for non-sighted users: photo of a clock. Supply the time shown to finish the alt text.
3:18
